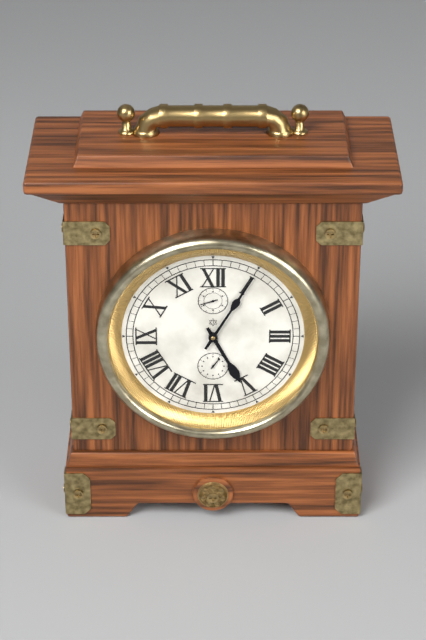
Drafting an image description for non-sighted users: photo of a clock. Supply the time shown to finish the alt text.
5:05
